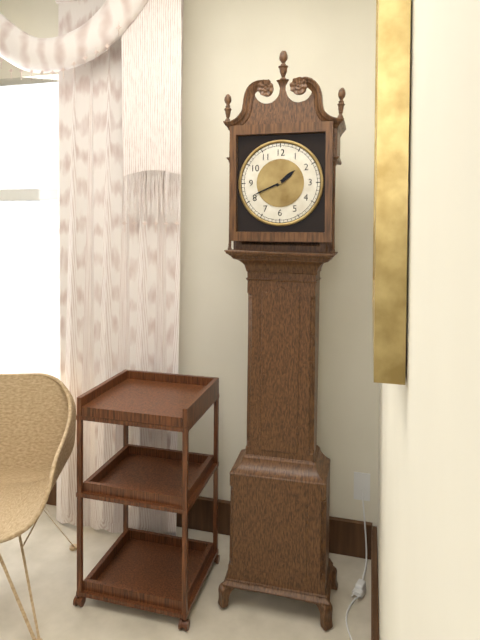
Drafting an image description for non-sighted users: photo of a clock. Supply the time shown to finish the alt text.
1:41
